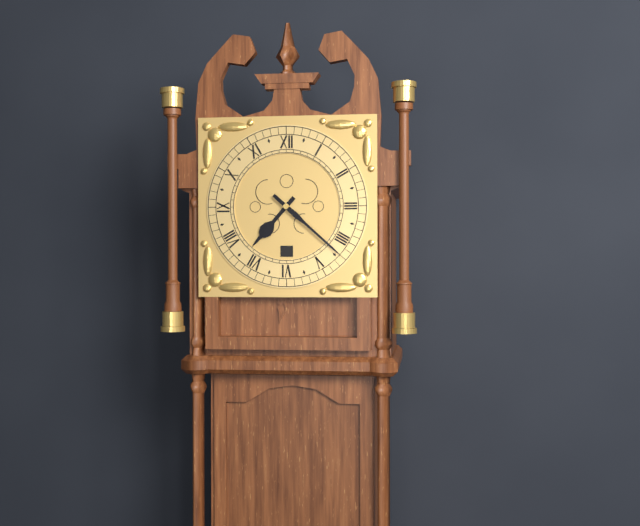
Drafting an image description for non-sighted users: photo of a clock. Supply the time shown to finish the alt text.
7:22
